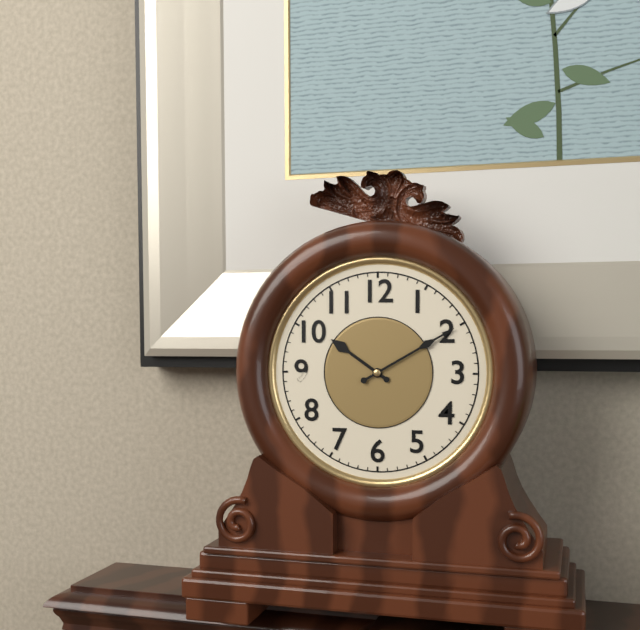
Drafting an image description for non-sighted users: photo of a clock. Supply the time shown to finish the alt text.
10:10
